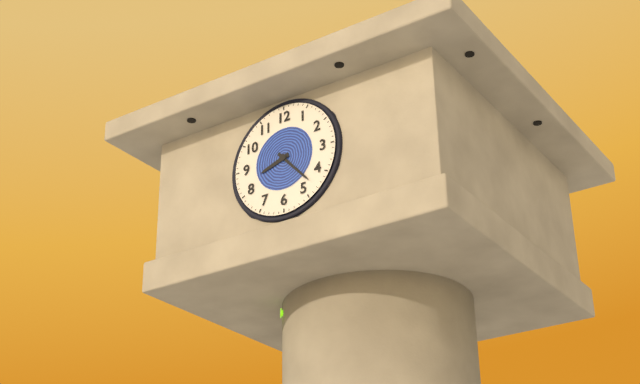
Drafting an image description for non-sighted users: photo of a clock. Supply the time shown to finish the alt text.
8:23
